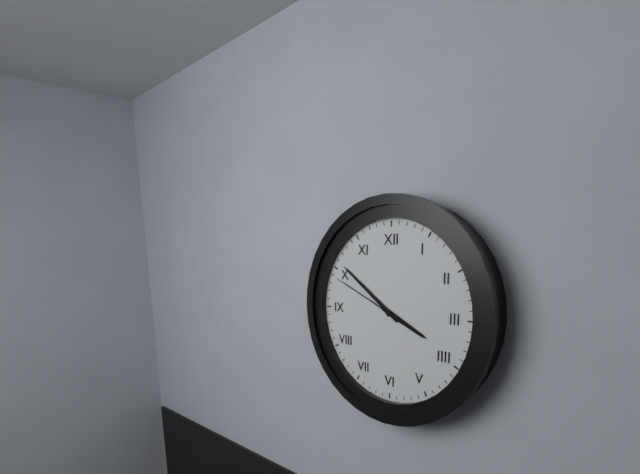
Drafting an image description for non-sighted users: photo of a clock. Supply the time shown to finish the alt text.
3:51:49
